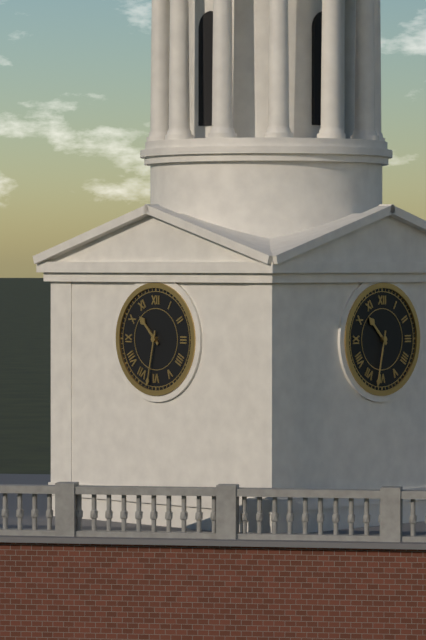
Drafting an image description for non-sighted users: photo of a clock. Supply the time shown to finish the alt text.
10:32
